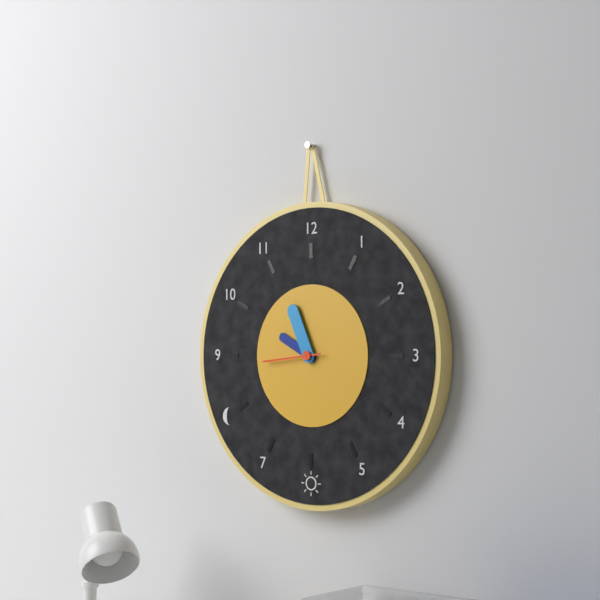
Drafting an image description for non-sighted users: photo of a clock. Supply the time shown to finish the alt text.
9:56:44
